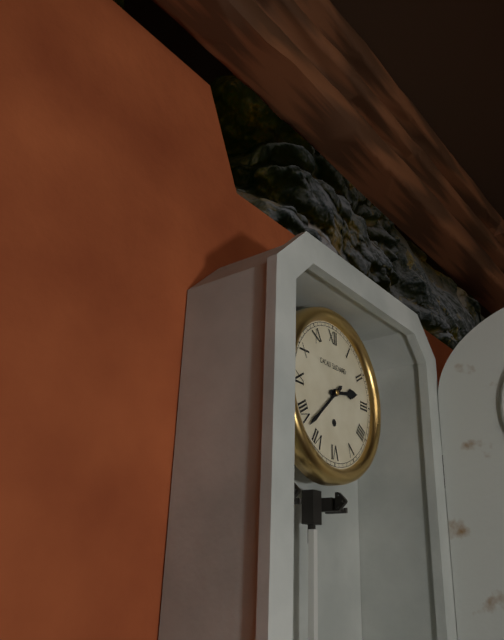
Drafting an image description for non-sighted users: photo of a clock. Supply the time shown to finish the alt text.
2:38
